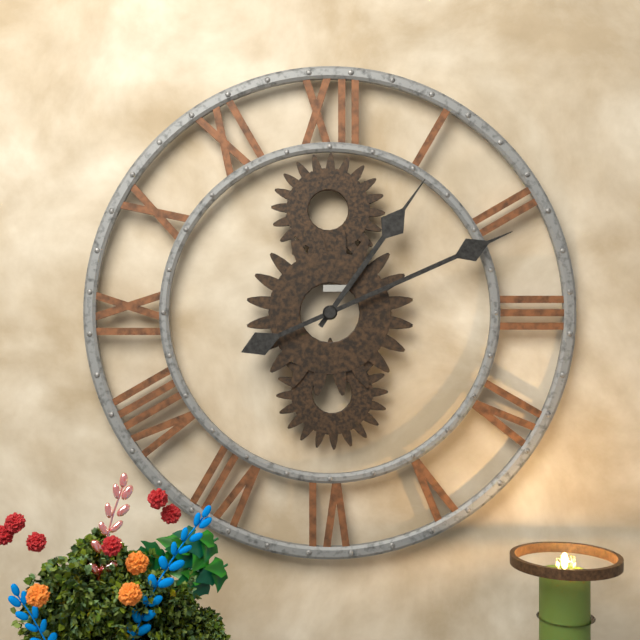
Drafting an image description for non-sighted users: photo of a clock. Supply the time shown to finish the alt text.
1:11
